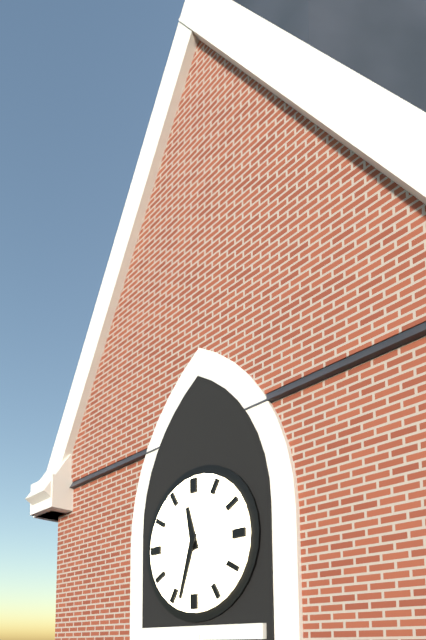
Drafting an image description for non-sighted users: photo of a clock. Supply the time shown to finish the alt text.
11:33
